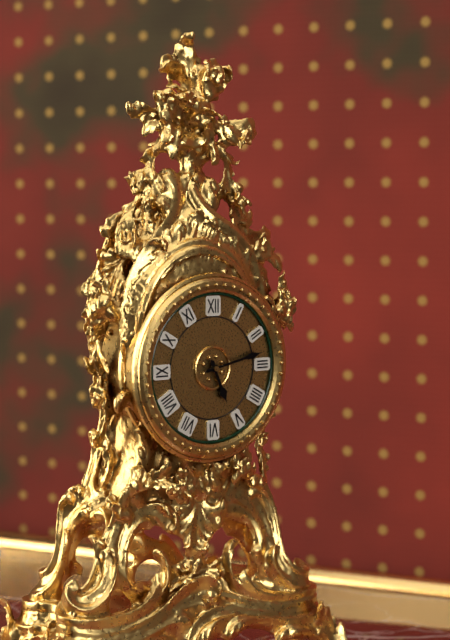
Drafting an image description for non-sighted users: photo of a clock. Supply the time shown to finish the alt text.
5:13
